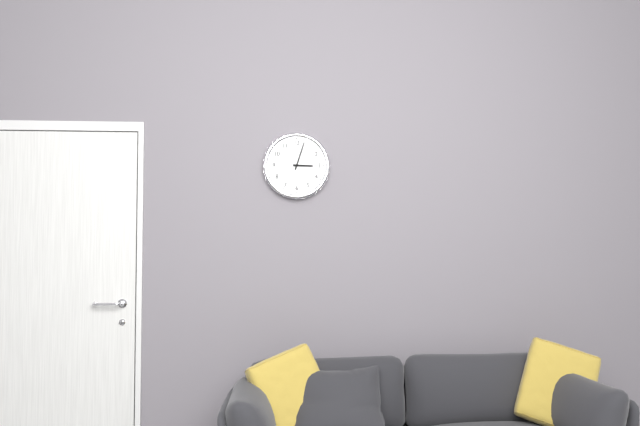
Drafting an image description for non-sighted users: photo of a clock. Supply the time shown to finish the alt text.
3:03
